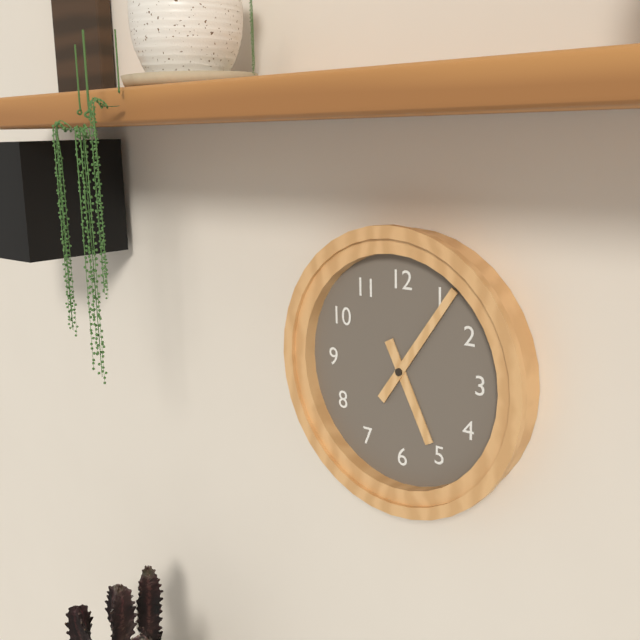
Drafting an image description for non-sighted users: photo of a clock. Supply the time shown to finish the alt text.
5:06
